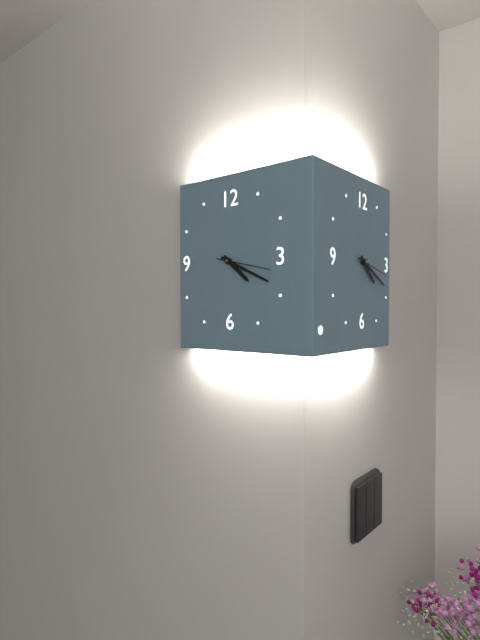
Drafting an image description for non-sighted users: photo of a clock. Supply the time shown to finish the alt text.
4:19:17
